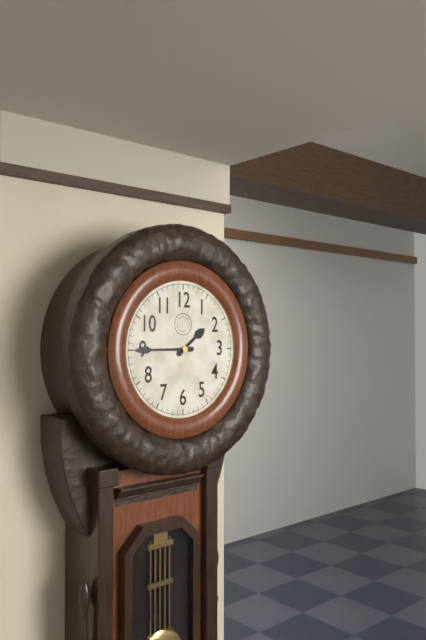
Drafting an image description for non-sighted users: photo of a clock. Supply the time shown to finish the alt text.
1:45
